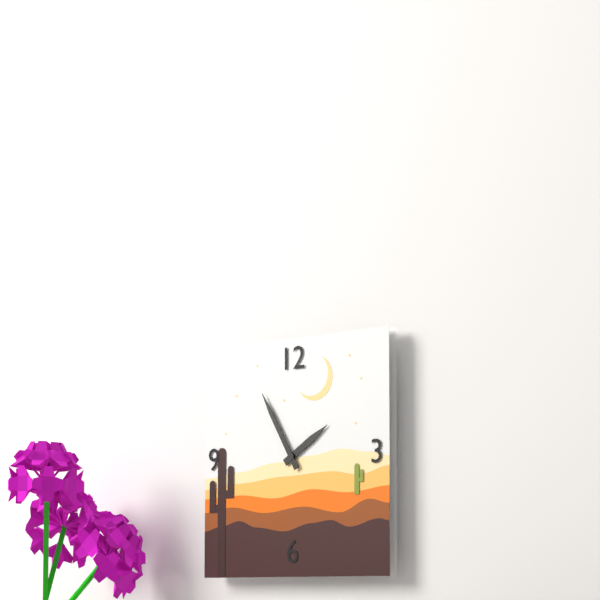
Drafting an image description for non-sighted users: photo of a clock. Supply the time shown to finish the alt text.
1:55
